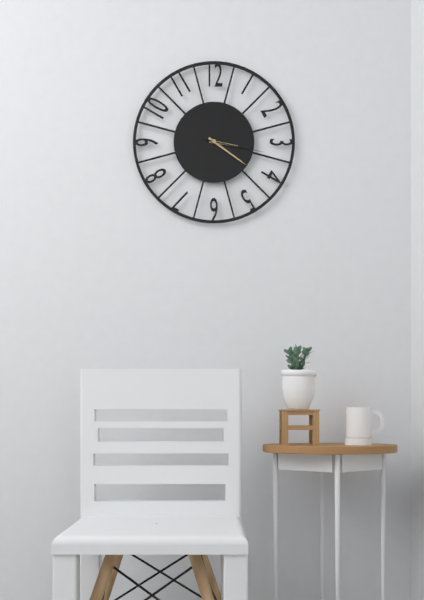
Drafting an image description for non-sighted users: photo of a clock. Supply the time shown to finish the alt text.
3:21:17
